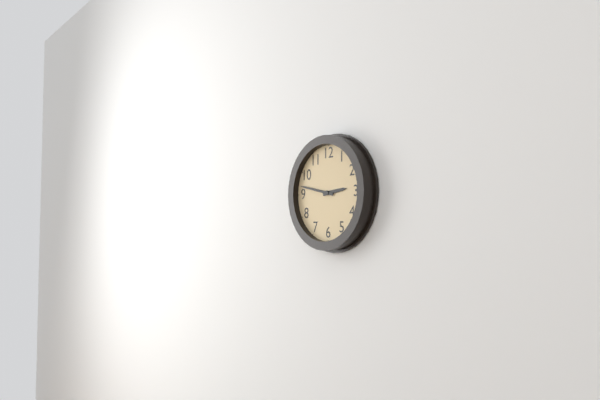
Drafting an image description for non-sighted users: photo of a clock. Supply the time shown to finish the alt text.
2:47
